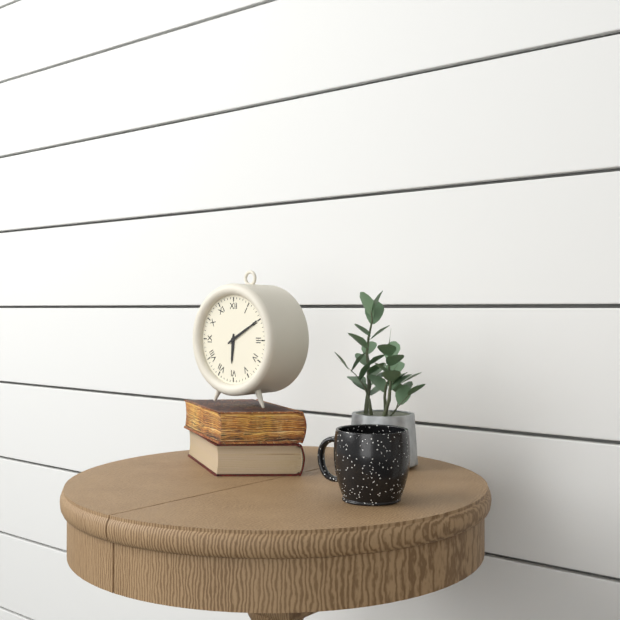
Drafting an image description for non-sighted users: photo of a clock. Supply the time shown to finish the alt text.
6:10
